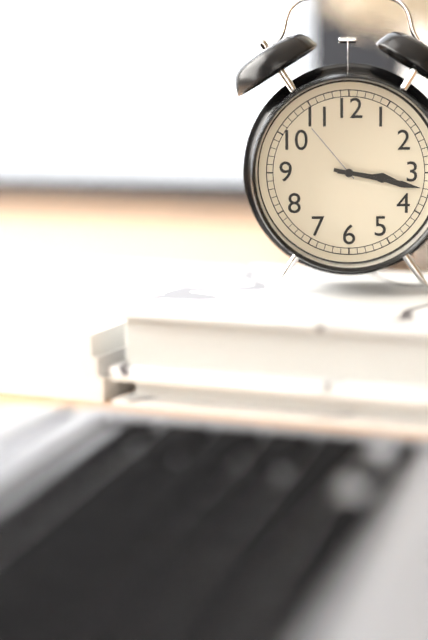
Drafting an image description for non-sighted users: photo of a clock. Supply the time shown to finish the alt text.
3:17
